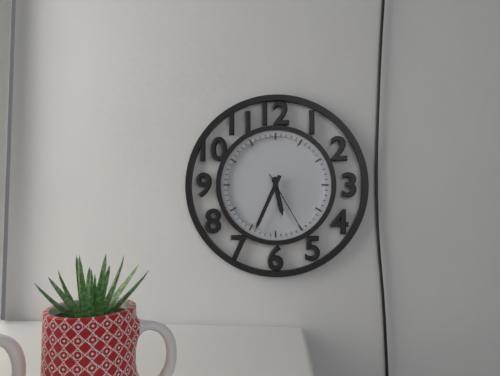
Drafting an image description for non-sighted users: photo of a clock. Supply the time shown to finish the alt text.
5:34:25
